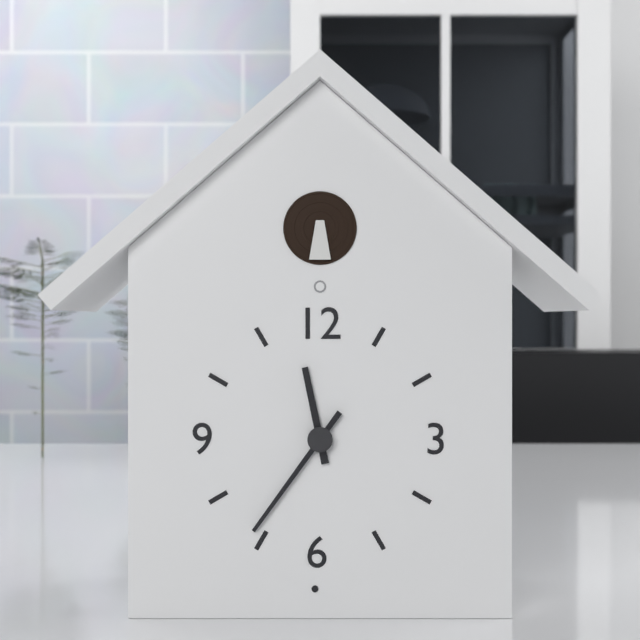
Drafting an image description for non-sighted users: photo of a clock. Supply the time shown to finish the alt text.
11:36
